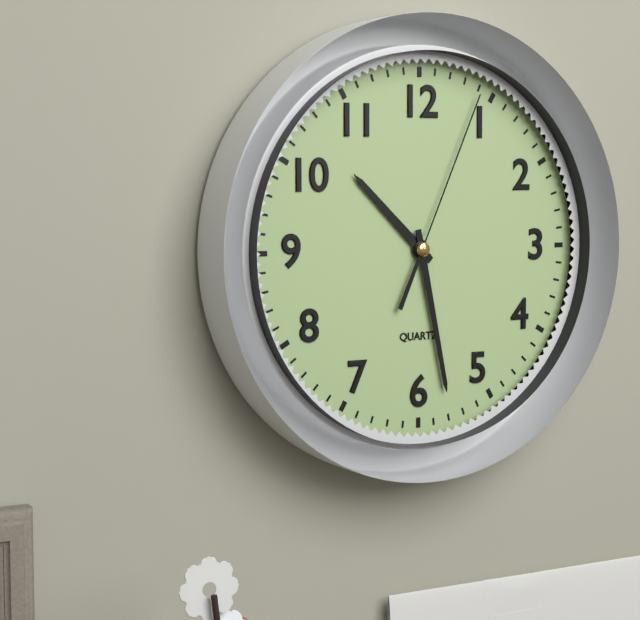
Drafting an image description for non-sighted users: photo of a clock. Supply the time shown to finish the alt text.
10:28:04
